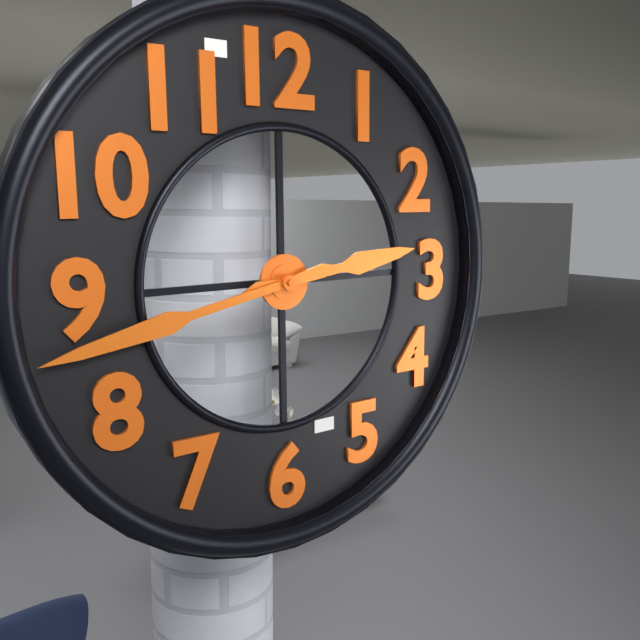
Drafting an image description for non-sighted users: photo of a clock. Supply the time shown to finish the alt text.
2:43
